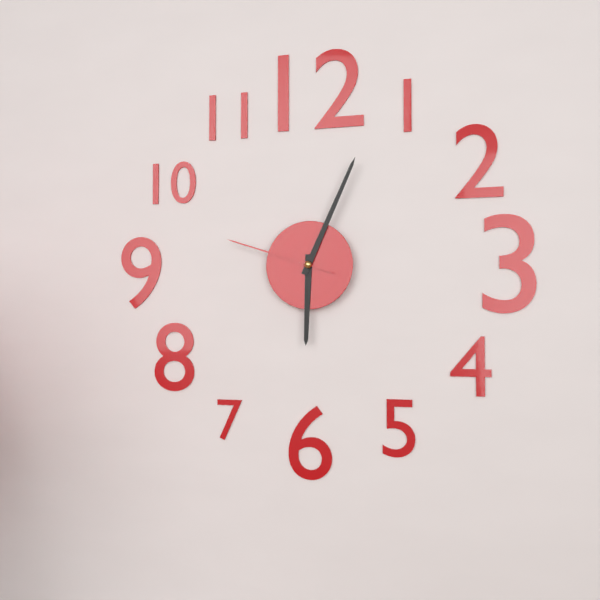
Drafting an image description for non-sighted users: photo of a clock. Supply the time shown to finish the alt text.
6:04:48
